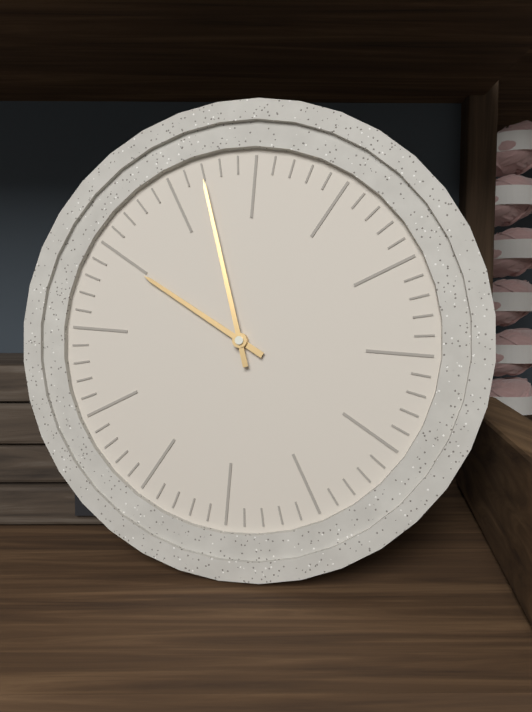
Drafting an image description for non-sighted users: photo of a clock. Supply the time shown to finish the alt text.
9:57
